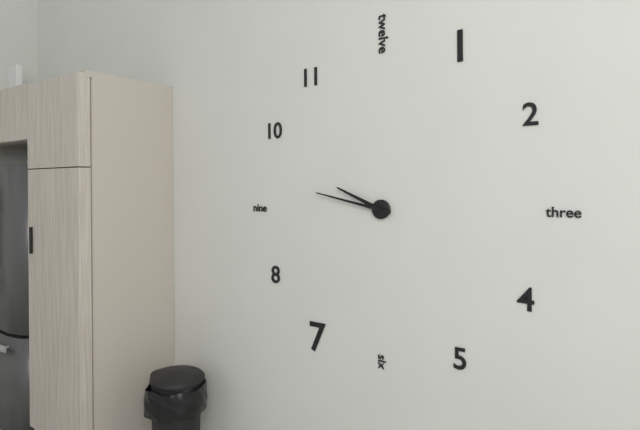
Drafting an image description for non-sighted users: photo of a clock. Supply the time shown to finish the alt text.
9:47
